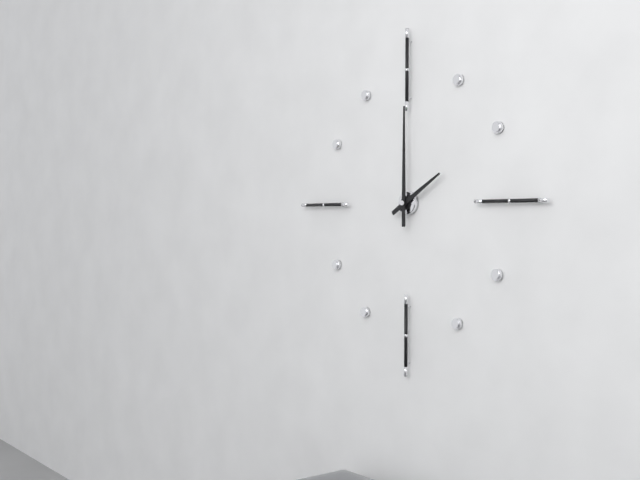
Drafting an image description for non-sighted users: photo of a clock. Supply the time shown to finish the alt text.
2:00
